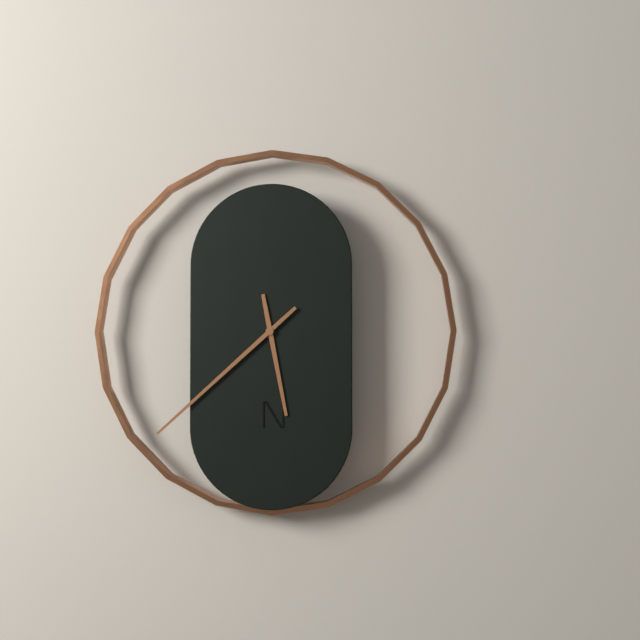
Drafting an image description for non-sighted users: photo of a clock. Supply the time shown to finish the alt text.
5:38
